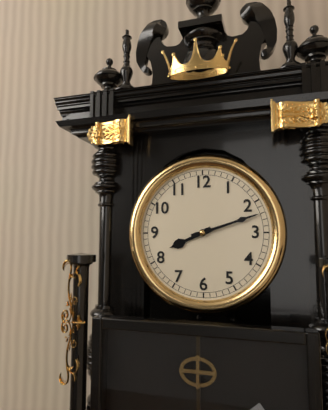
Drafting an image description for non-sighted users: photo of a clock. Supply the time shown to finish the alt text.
8:12
